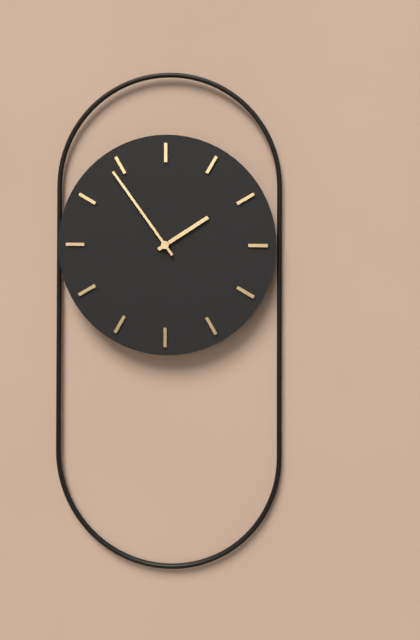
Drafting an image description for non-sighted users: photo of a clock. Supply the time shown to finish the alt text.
1:54
